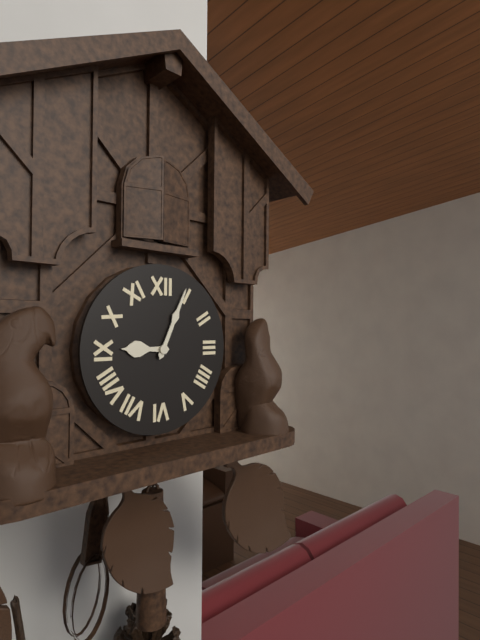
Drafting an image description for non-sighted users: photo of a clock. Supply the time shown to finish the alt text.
9:04
